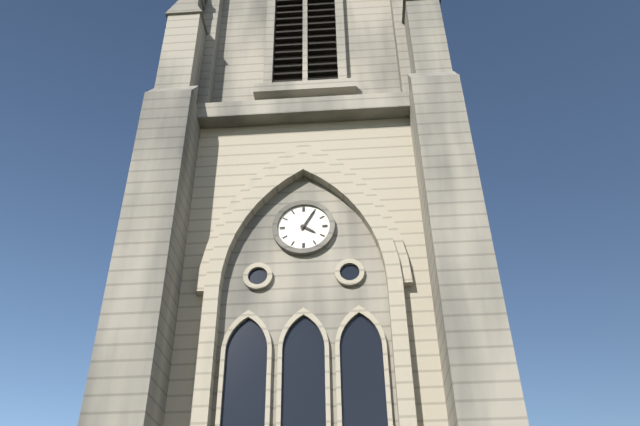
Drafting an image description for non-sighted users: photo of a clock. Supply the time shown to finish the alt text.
4:05
